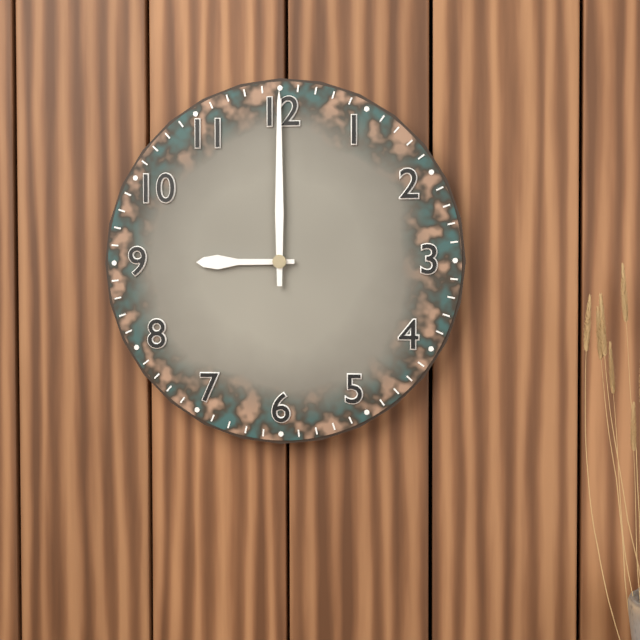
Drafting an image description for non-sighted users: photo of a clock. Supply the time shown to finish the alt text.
9:00
